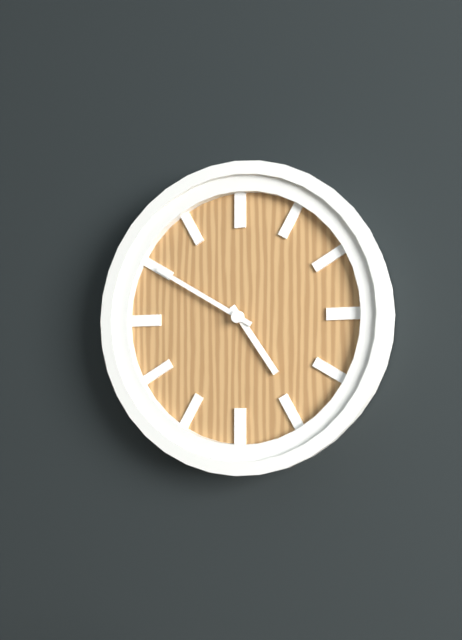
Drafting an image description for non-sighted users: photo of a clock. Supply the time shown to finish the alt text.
4:50
